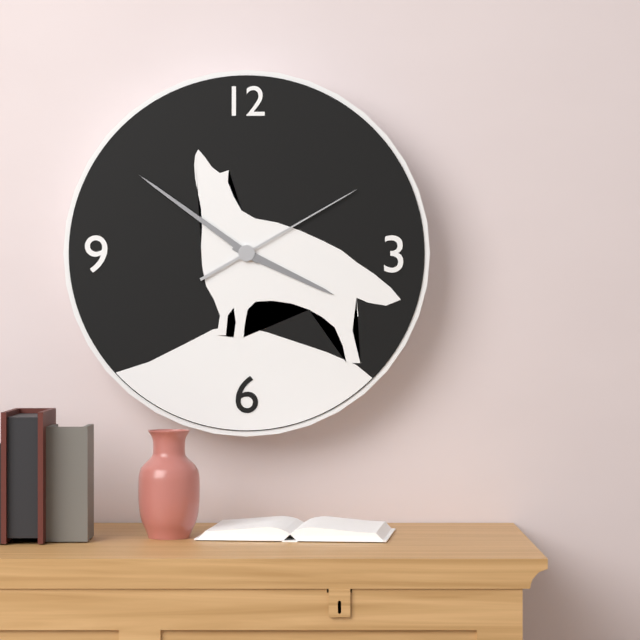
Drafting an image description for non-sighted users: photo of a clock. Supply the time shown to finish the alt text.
3:51:10
